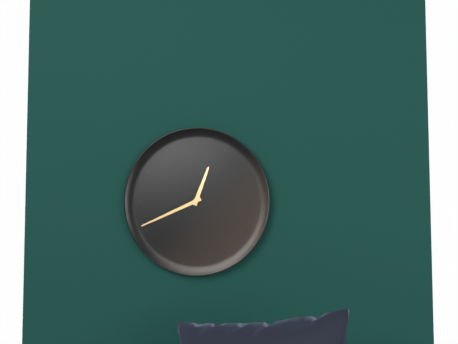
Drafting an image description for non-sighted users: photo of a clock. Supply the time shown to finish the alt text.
12:41
